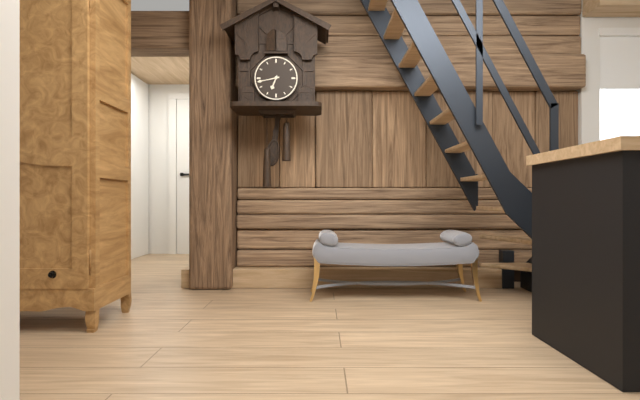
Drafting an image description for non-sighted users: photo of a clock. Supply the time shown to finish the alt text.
6:43
